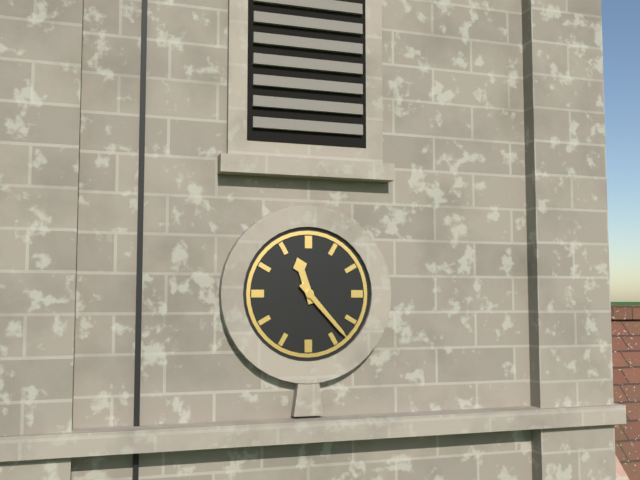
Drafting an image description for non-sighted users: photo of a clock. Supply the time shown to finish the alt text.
11:23
